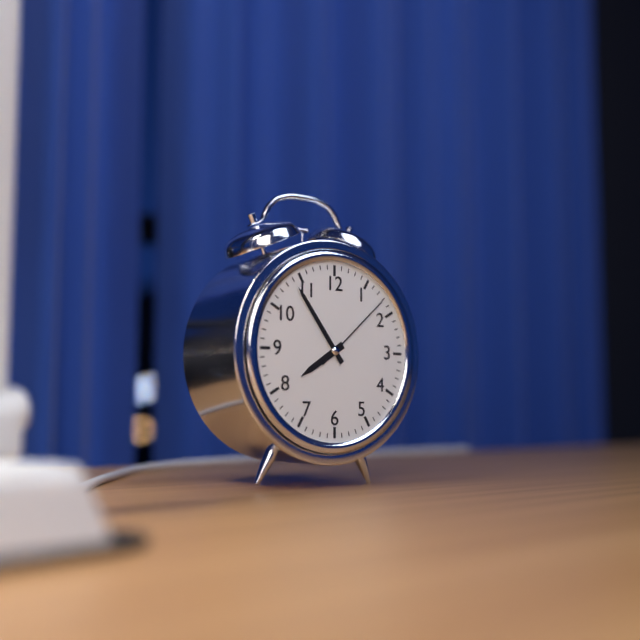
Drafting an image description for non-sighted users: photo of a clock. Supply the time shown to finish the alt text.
7:54:08
